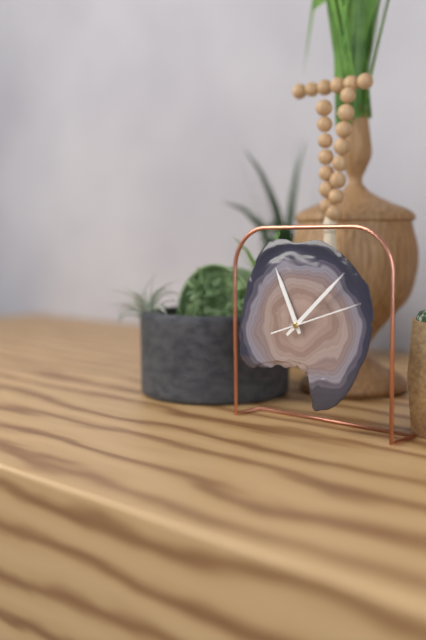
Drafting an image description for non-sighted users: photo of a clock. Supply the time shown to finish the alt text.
11:08:12
